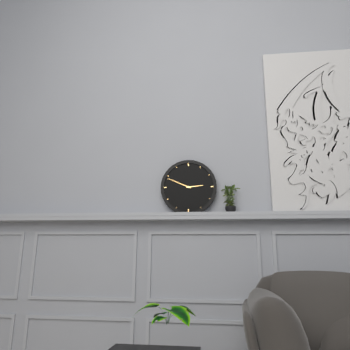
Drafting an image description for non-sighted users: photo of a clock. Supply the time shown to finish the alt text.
2:49
